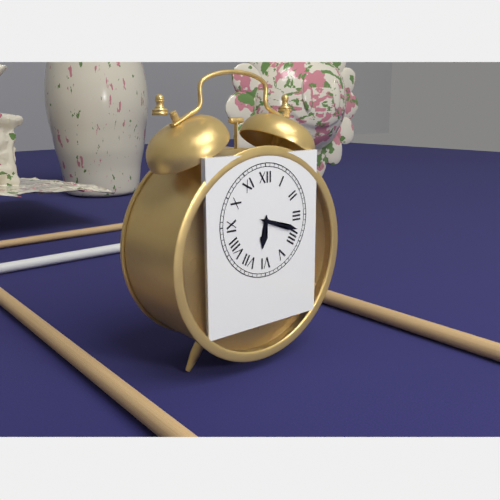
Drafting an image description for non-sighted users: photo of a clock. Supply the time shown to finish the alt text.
6:18
